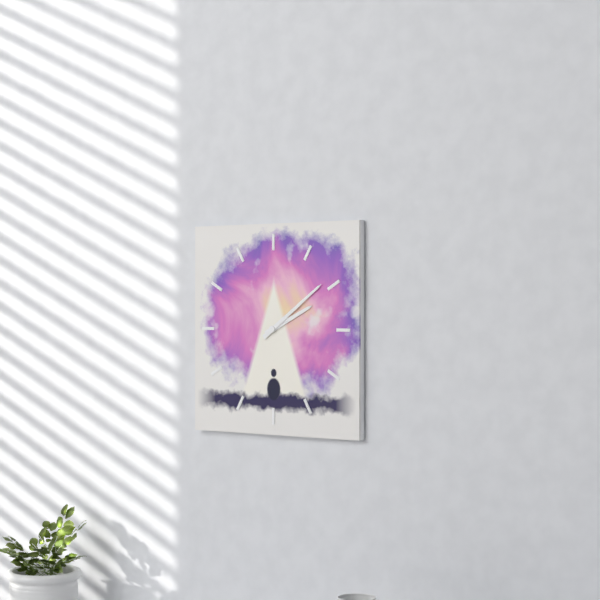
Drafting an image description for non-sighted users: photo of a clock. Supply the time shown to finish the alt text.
2:09
